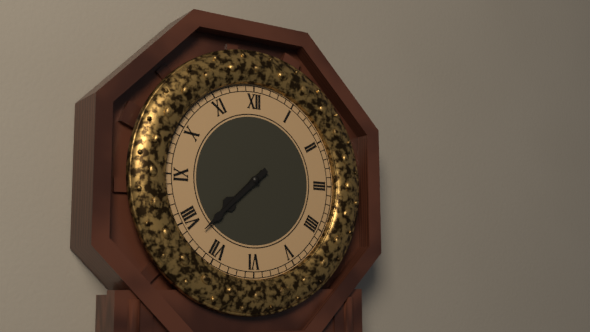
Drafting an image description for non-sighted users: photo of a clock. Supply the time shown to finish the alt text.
7:38
